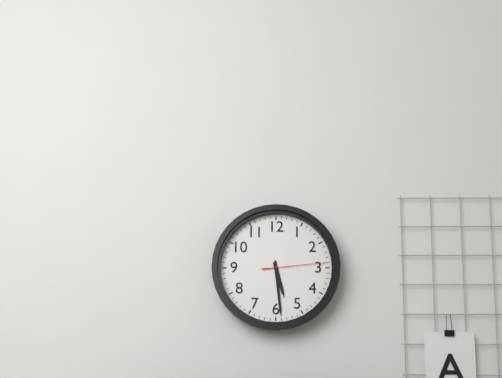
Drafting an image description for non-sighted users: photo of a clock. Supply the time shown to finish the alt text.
5:29:14
